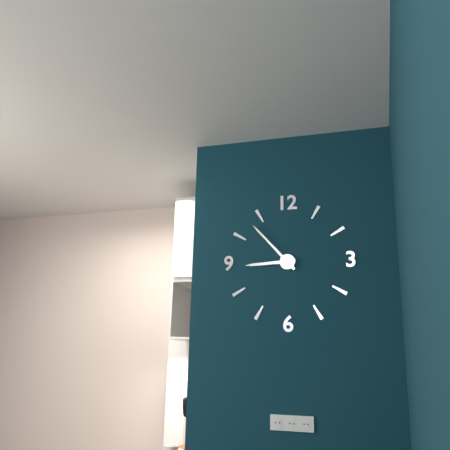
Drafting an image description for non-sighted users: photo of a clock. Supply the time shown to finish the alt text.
8:53
